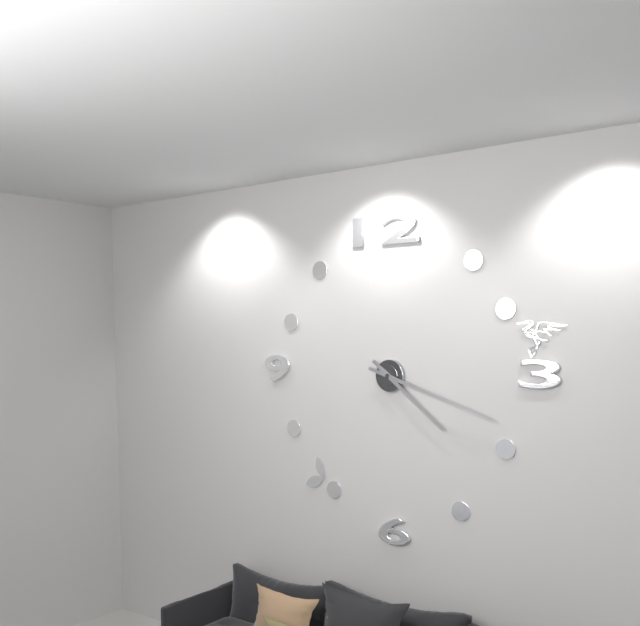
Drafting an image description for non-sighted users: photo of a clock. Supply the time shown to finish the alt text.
4:18
